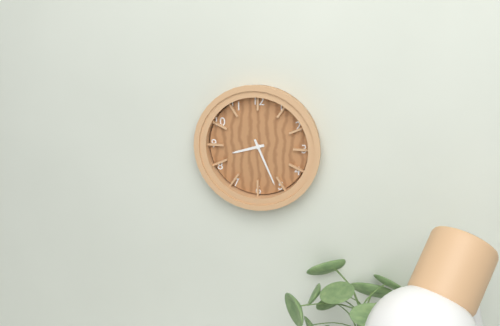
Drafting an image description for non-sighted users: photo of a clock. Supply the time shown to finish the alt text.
8:26
